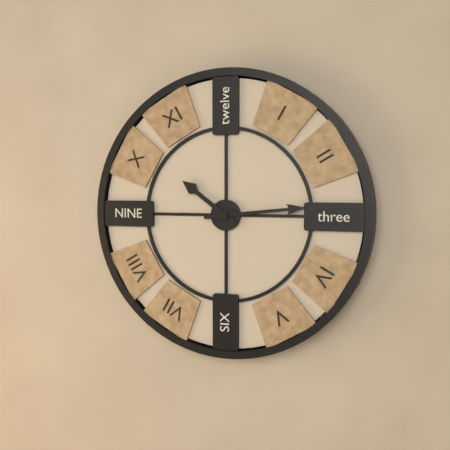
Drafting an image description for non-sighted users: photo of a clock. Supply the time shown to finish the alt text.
10:14
